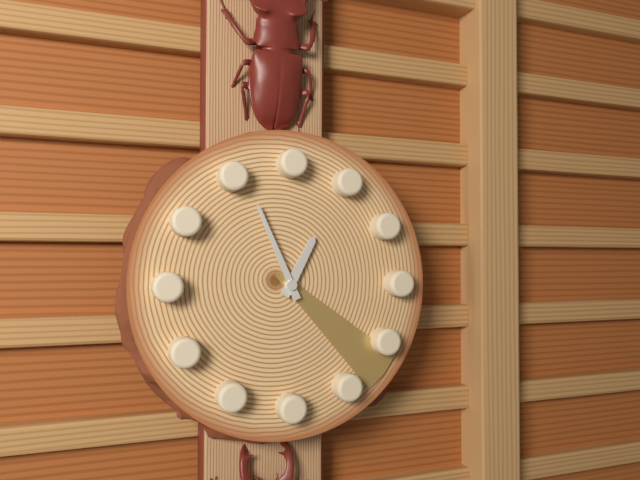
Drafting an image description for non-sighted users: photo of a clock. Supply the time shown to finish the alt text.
12:56:22
